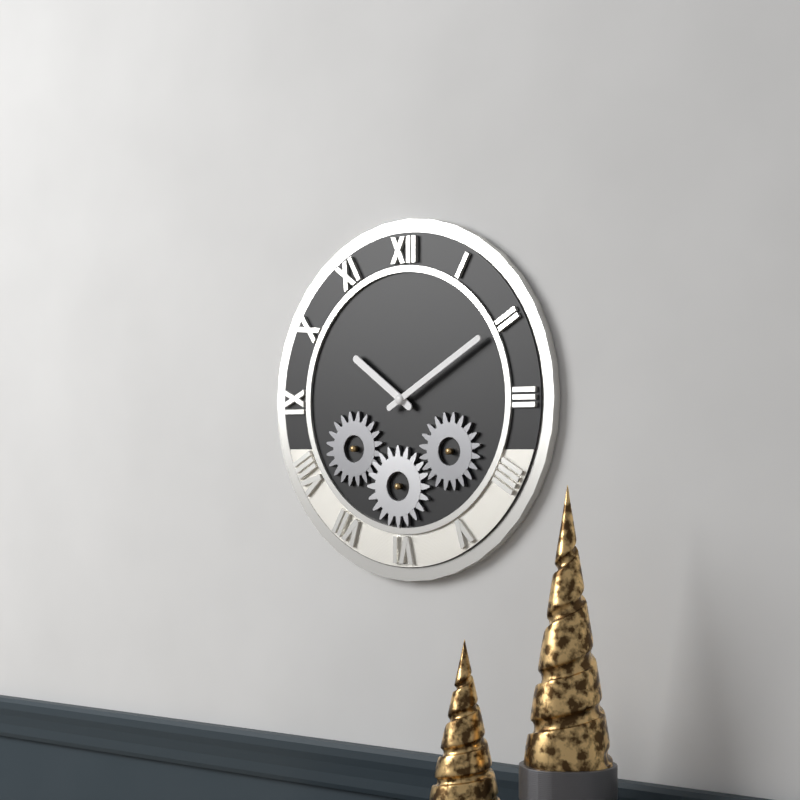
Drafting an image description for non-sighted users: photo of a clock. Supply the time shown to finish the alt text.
10:10
